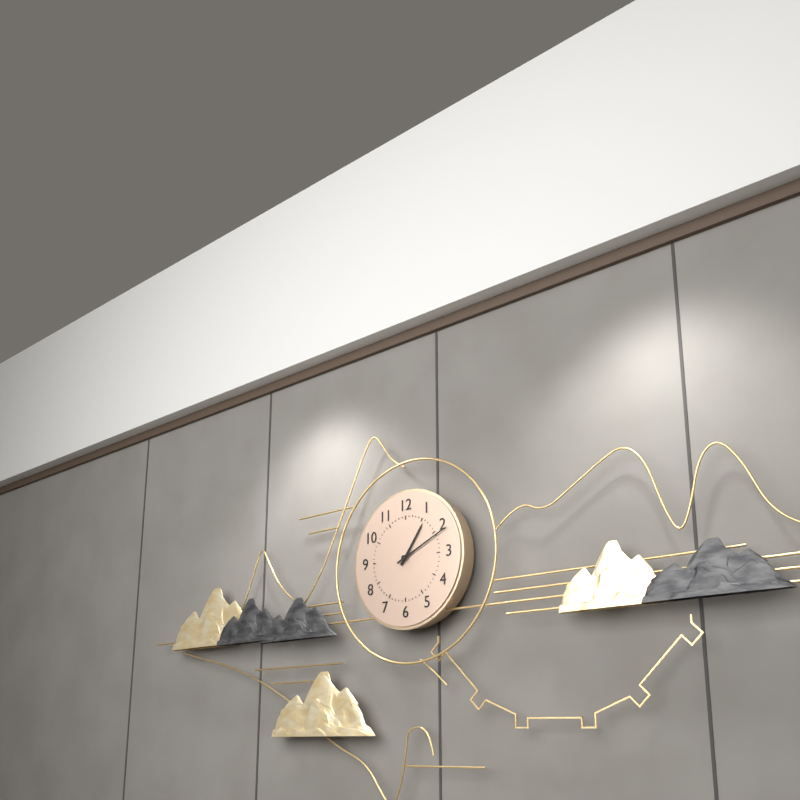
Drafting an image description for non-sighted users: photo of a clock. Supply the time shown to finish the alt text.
1:11
